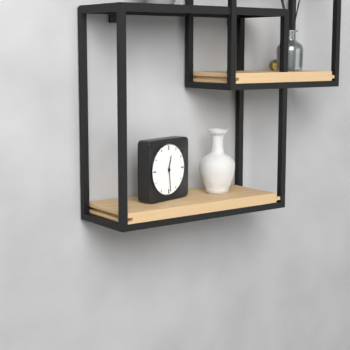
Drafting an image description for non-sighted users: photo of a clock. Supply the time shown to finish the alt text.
12:29
